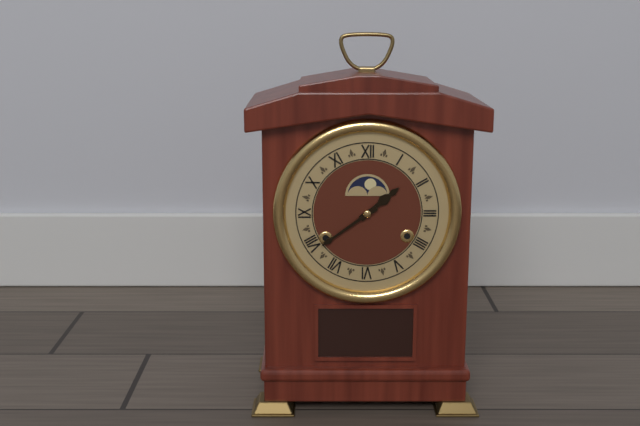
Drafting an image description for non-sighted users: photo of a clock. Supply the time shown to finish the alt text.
1:39
